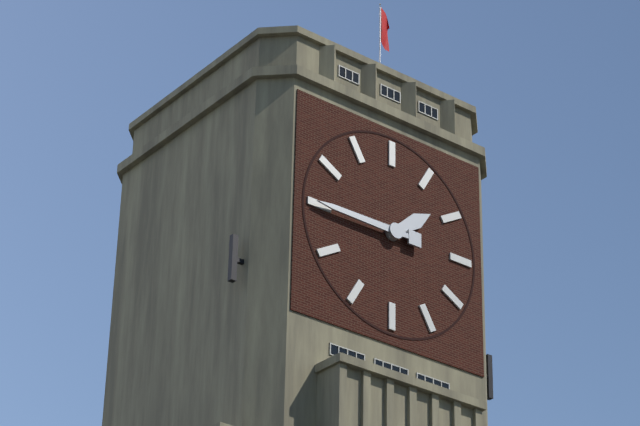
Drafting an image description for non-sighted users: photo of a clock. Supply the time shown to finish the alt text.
1:45
